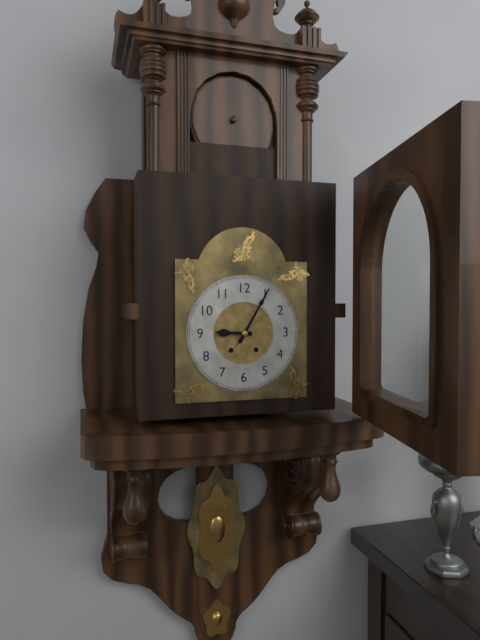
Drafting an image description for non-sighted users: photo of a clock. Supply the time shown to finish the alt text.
9:05
